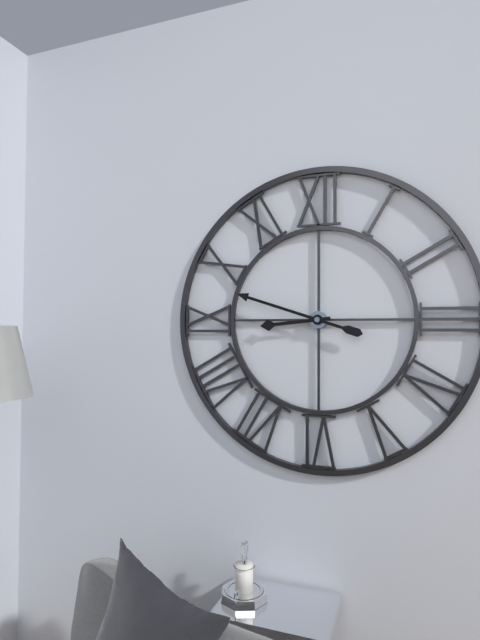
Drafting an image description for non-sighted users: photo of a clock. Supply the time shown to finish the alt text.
8:48
